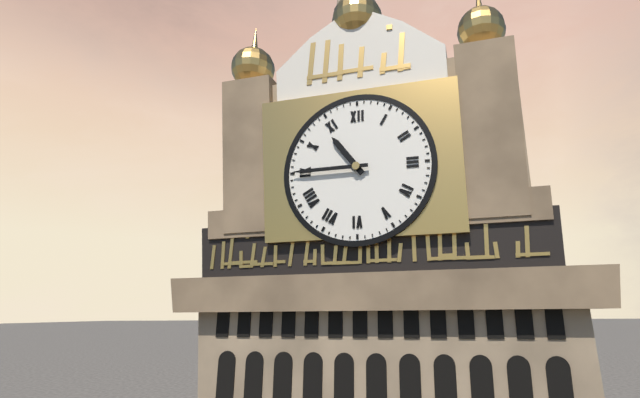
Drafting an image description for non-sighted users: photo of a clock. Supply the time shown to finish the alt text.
10:45
